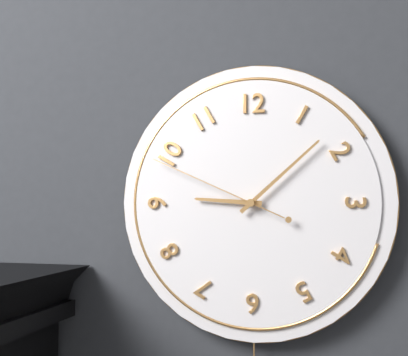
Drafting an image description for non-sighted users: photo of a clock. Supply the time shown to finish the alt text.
9:08:49
